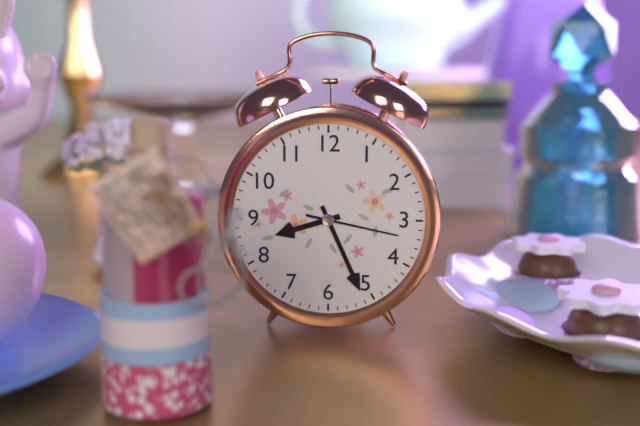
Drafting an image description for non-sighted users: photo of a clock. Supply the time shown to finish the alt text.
8:26:17
